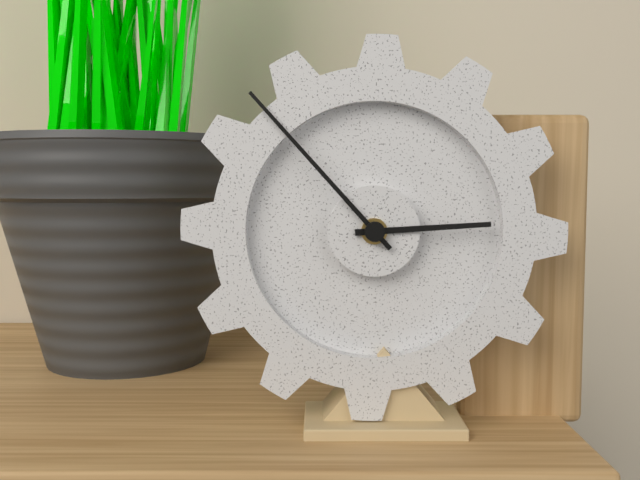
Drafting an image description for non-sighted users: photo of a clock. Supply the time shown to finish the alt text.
2:53
